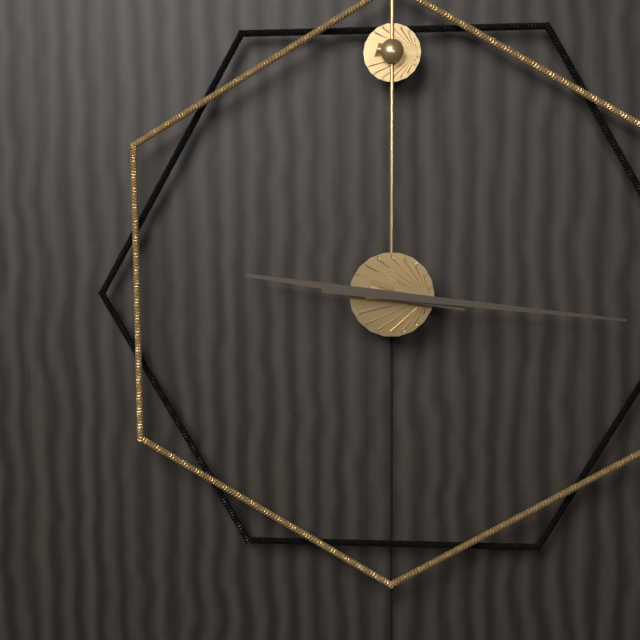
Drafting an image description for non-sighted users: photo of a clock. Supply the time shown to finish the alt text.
9:16
